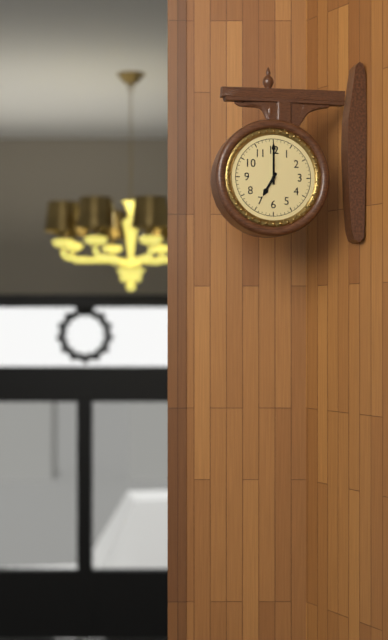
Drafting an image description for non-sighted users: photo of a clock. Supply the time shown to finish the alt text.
7:00
